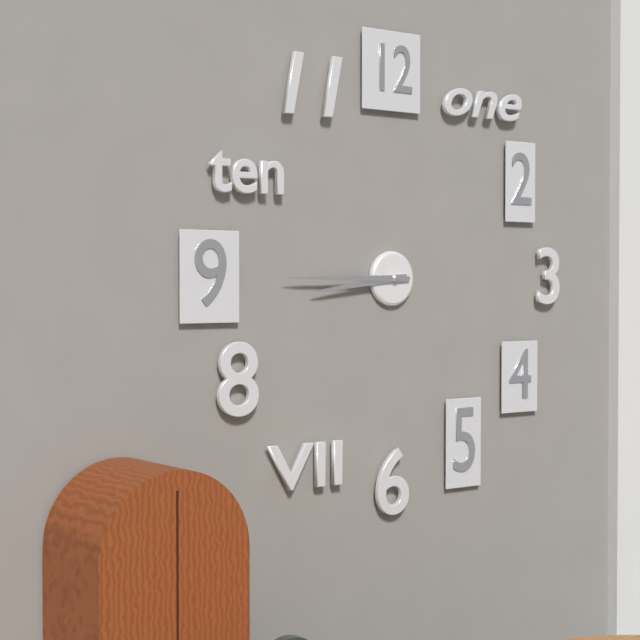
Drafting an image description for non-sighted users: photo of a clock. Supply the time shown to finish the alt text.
8:45
